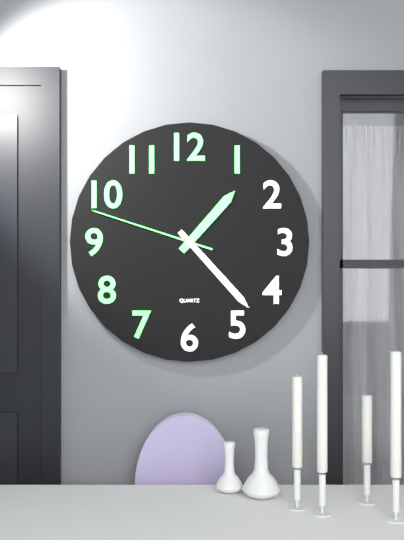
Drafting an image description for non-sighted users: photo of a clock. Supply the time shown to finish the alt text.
1:23:48
